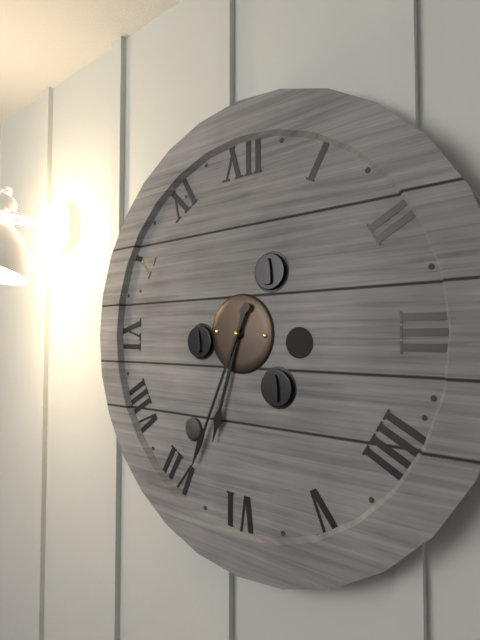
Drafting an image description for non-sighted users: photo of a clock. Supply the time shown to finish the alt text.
6:34
